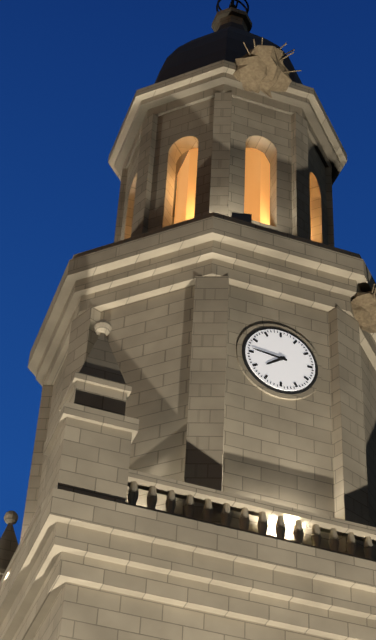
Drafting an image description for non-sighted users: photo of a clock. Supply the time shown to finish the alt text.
7:46
